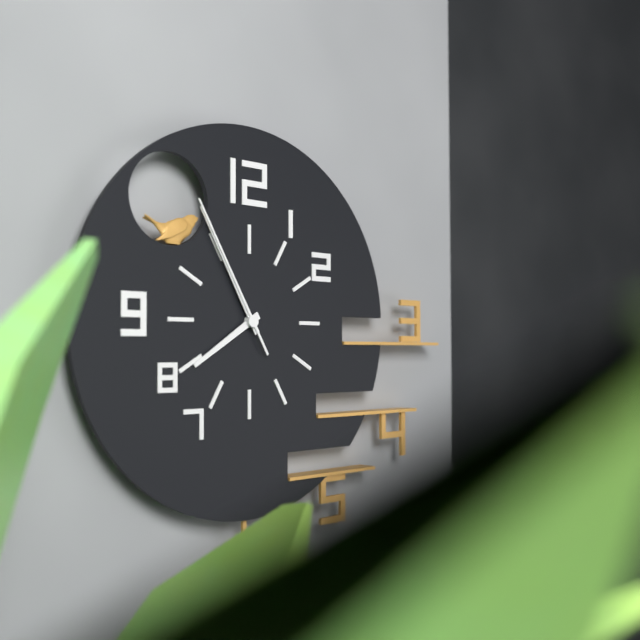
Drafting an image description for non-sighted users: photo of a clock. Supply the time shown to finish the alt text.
7:55:55
